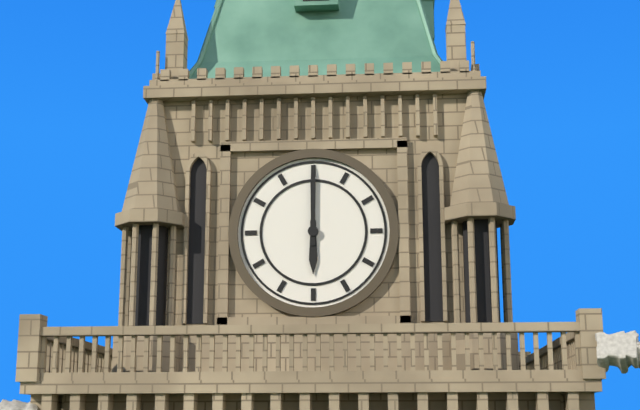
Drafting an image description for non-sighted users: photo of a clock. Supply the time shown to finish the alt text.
6:00
